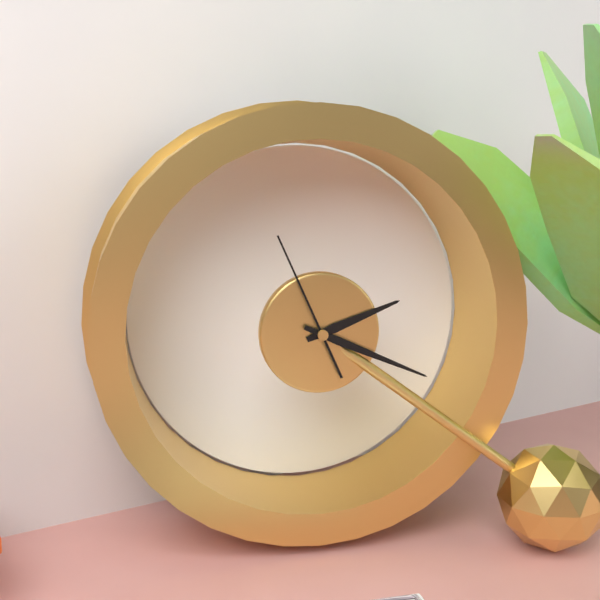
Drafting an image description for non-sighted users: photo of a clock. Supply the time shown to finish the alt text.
2:19:56
